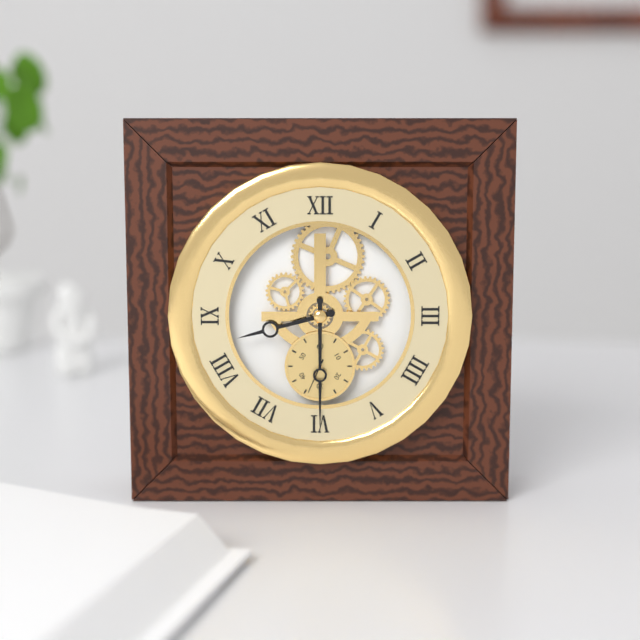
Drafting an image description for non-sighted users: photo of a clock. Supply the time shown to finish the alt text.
8:30
